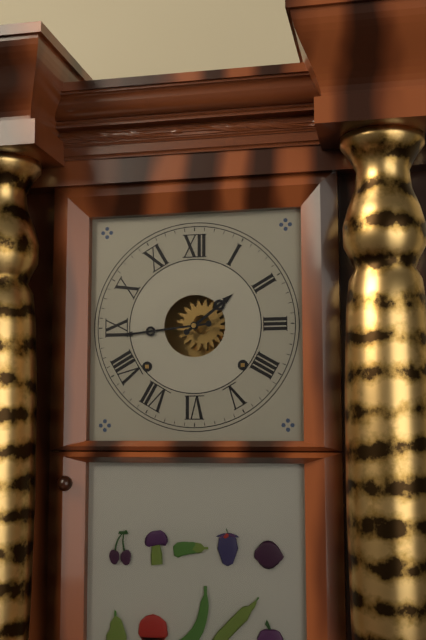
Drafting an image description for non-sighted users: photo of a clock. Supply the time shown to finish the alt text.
1:44
